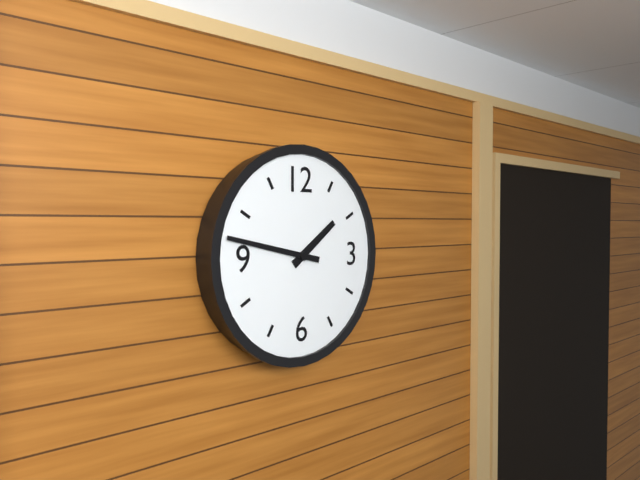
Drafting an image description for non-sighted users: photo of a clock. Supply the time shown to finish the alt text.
1:47
